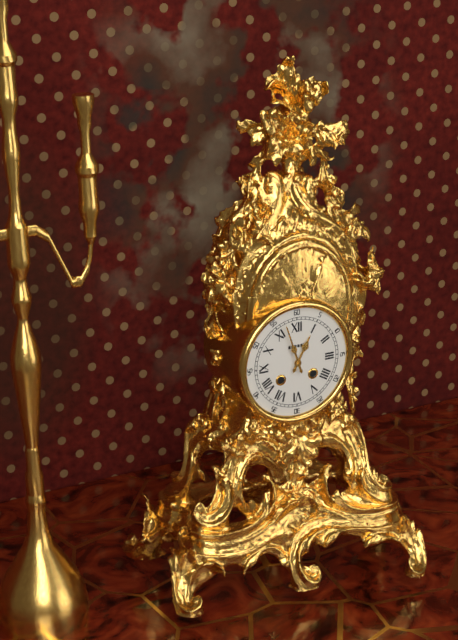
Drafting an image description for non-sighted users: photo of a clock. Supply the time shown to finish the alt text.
12:57
